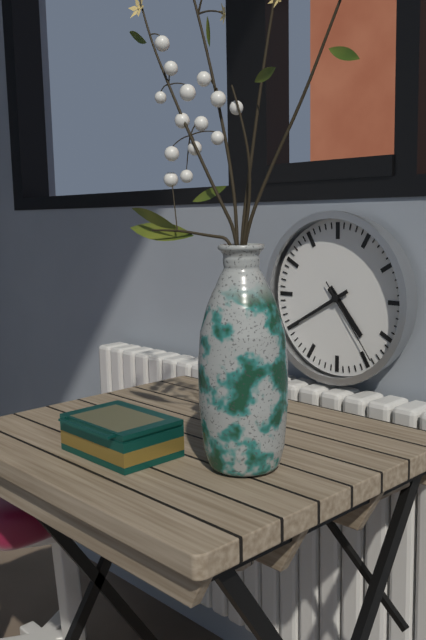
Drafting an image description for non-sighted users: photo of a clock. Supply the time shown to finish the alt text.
4:40:24
